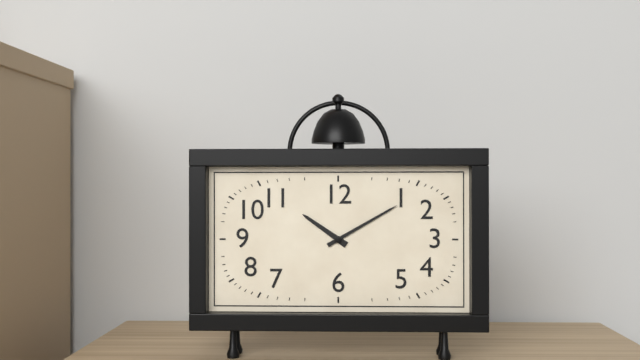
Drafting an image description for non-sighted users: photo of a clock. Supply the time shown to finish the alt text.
10:10
